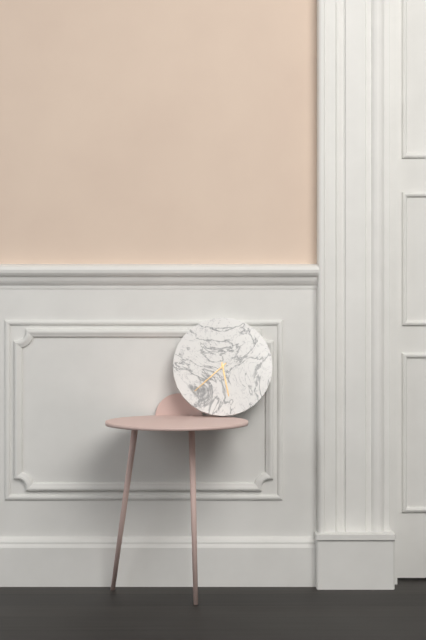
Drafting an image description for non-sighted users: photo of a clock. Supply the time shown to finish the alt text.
5:38
